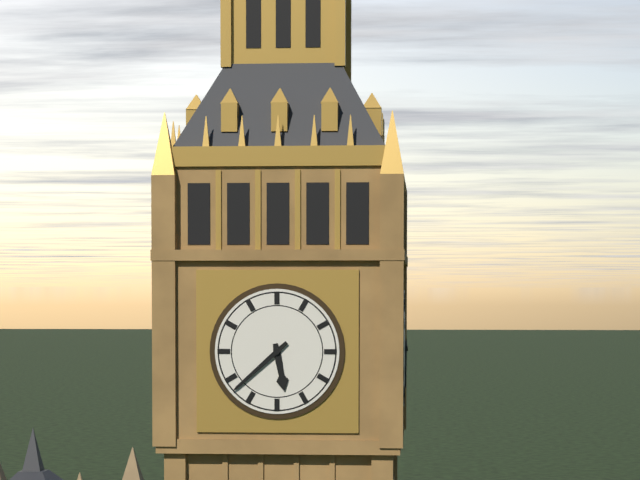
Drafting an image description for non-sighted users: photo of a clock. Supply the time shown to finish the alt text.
5:38
